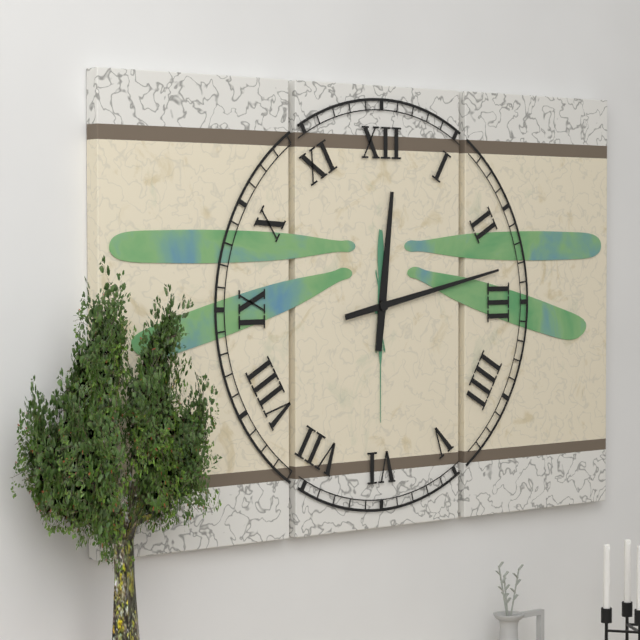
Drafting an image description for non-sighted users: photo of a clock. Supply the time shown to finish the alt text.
12:13
